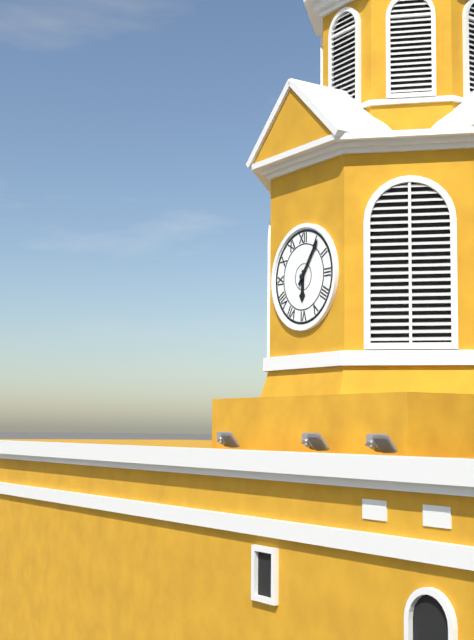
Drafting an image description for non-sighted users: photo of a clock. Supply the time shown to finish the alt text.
6:06
